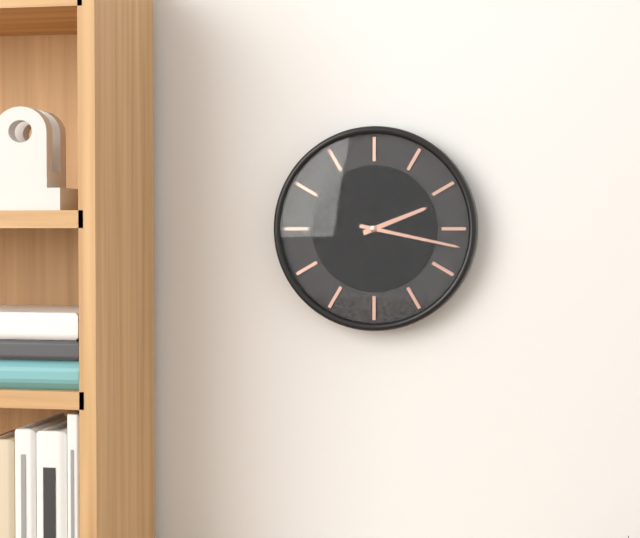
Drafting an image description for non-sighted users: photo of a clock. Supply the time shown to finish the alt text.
2:17
